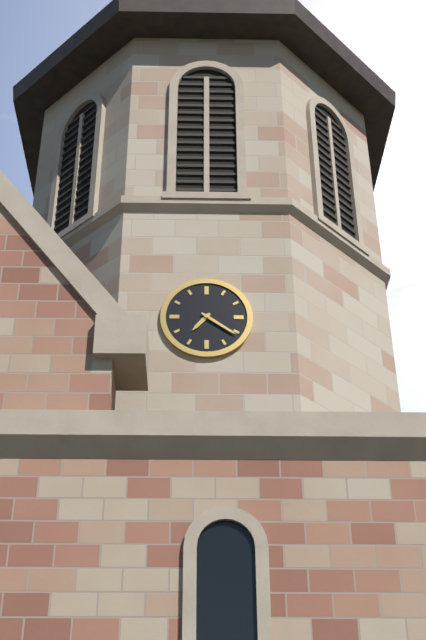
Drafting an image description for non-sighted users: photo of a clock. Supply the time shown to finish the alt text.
7:21
